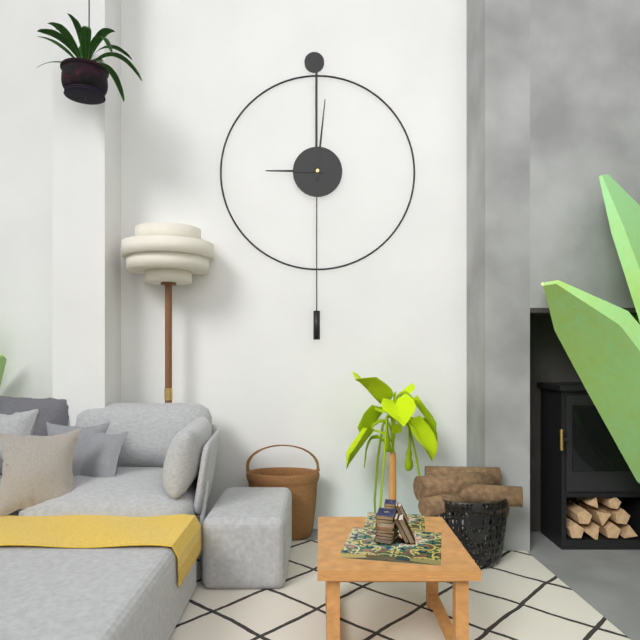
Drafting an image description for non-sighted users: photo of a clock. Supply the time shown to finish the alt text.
9:01
